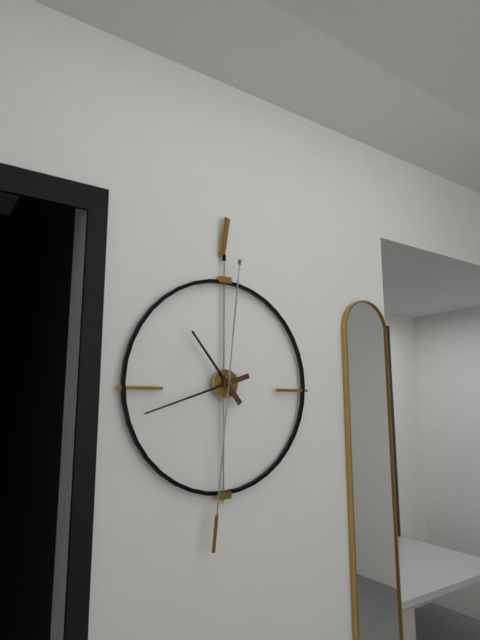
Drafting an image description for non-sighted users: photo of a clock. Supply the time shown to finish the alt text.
10:42:31
